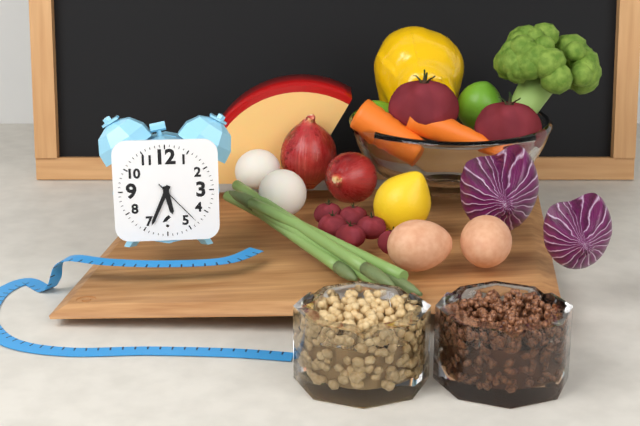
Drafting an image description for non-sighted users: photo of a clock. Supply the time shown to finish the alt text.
5:34:23
